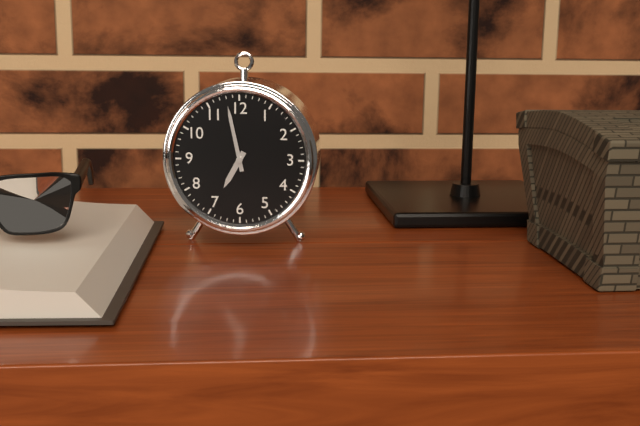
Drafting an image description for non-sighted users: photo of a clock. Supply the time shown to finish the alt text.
6:58
